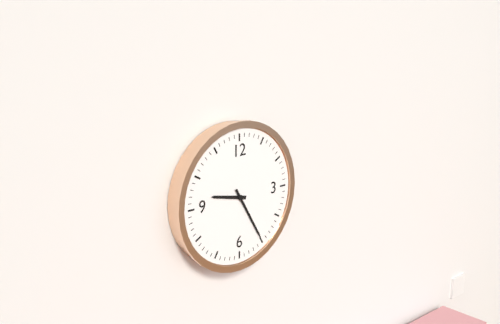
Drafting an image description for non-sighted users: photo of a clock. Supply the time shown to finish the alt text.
9:25
